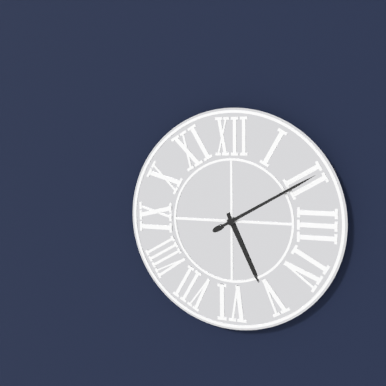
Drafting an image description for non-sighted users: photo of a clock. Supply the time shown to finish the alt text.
5:10
